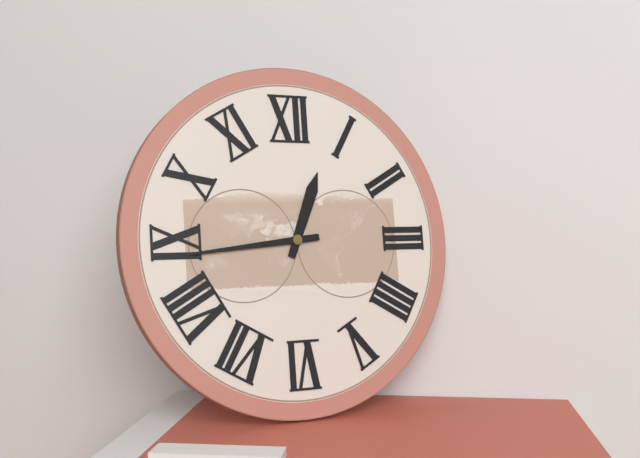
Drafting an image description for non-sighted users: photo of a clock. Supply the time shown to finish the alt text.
12:44
